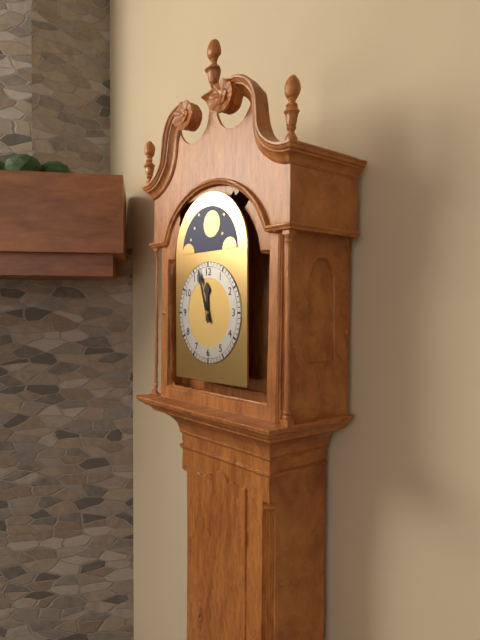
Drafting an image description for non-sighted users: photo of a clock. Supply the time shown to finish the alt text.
11:57
